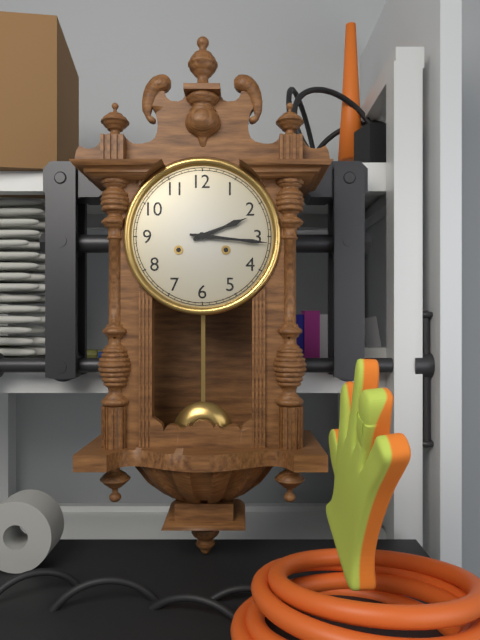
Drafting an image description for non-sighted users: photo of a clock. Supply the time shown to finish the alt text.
2:16
